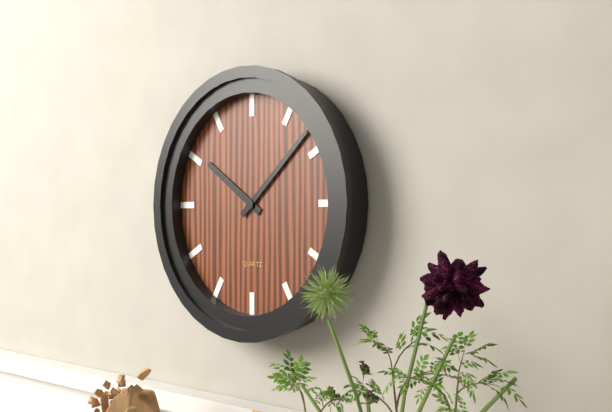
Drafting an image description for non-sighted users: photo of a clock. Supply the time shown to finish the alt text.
10:08
